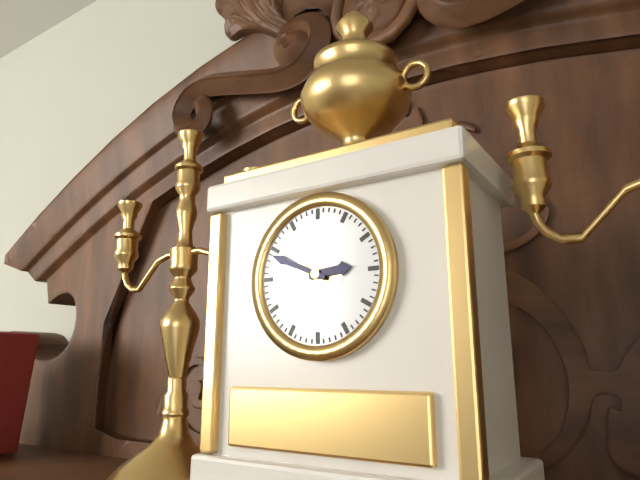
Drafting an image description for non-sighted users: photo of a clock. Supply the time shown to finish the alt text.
2:49
